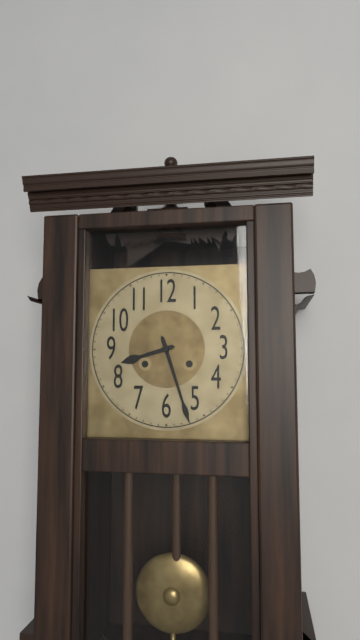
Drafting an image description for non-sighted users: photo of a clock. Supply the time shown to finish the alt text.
8:27
